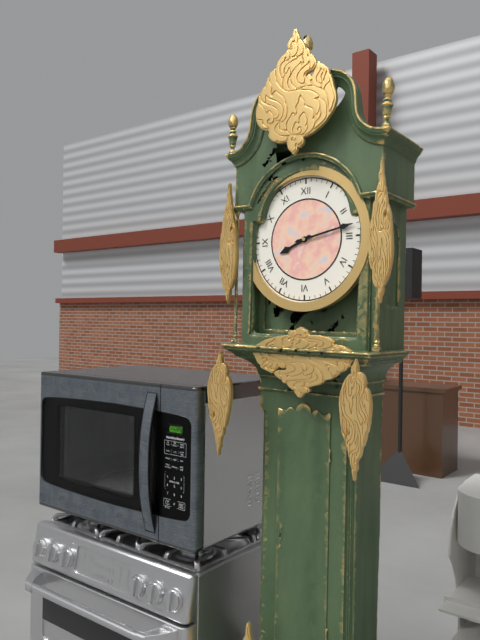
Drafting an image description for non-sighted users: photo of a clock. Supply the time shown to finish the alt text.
8:13
